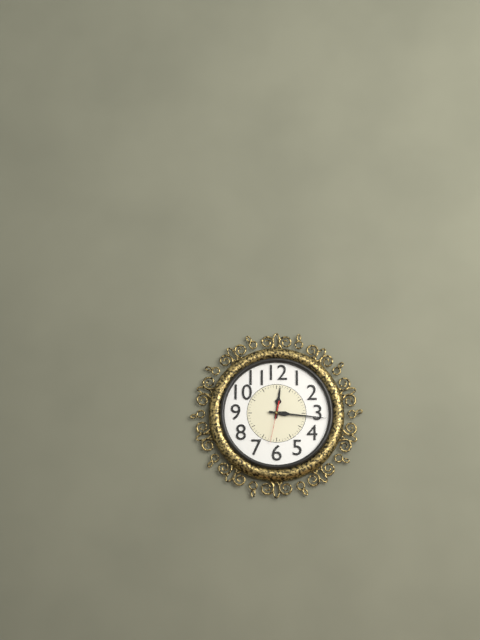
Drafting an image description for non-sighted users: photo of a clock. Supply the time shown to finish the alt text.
12:16
